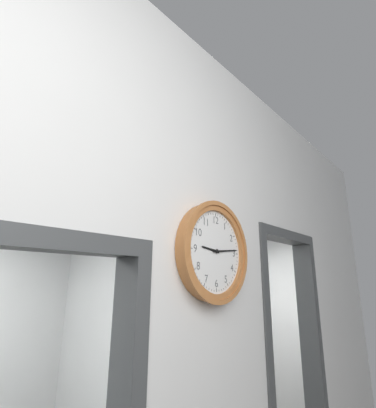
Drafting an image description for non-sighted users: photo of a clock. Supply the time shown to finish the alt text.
9:14
